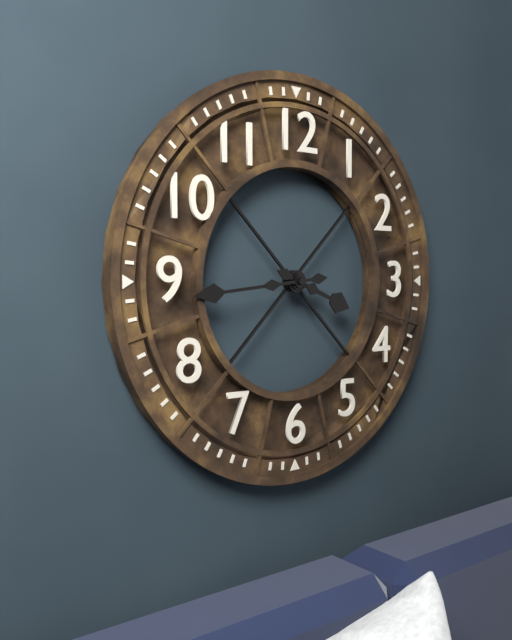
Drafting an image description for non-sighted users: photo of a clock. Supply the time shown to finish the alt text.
3:44
